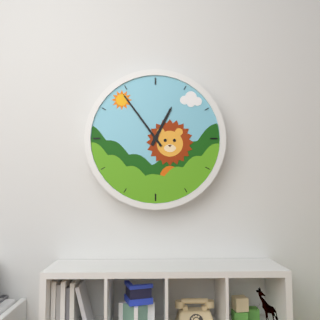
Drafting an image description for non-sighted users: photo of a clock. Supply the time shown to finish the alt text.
12:54
